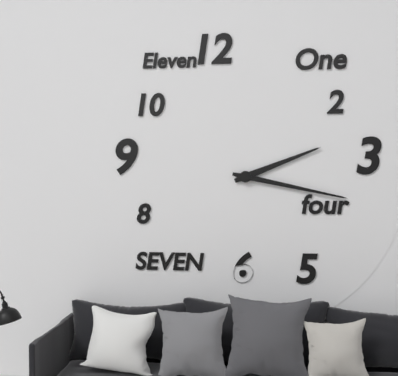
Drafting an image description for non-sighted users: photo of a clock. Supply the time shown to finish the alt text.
2:17
